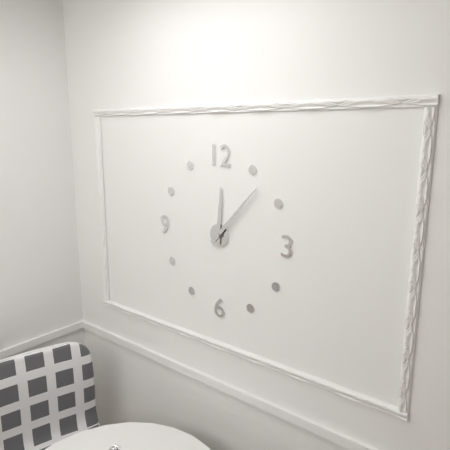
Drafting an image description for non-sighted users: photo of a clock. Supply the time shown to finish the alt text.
12:07
